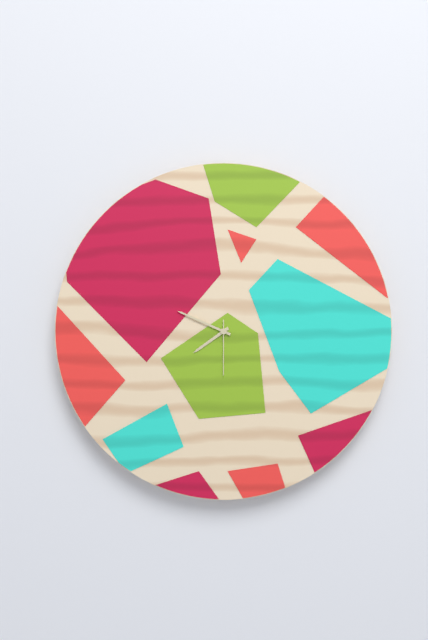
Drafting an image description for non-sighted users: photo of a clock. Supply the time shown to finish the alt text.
7:49:30
